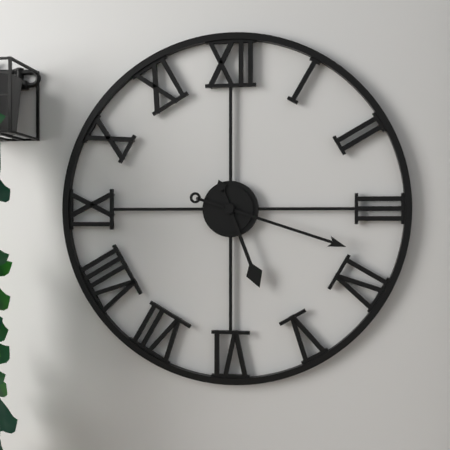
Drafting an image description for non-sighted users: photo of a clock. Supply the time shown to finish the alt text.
5:18
